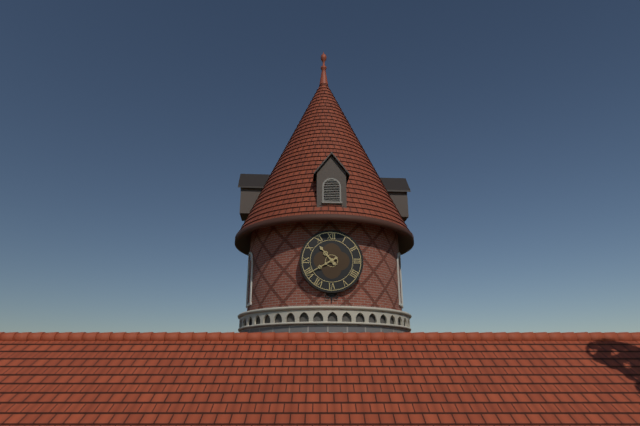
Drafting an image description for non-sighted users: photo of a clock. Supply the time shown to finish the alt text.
10:40
